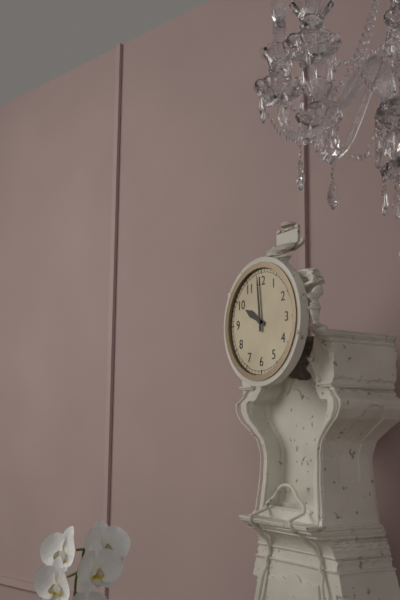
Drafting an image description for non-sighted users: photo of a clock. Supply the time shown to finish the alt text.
9:59
